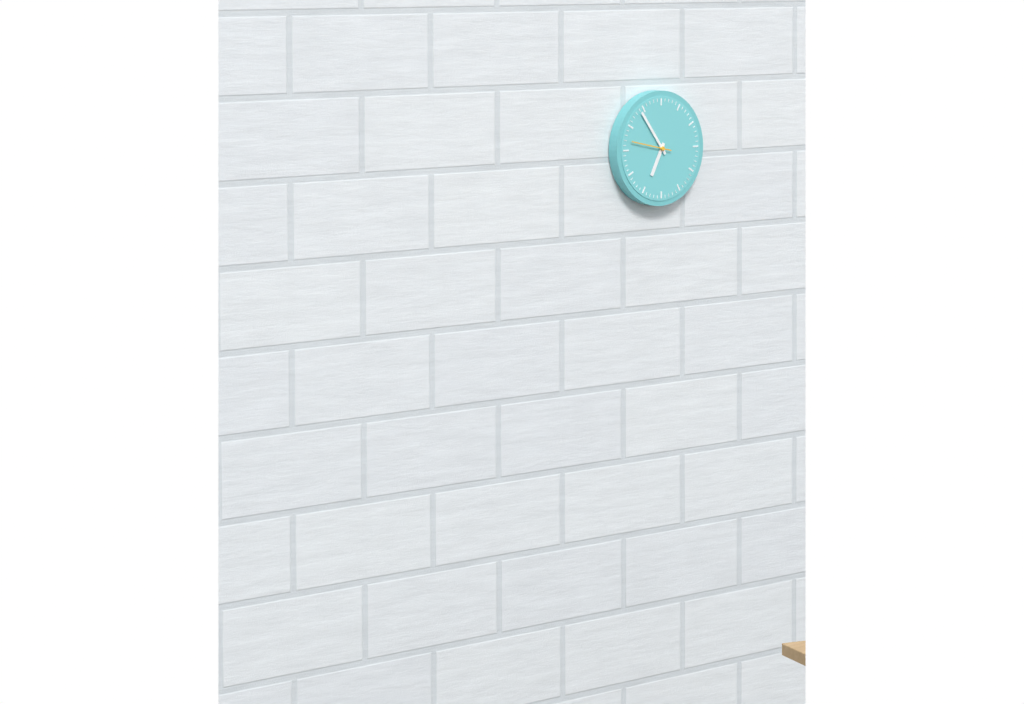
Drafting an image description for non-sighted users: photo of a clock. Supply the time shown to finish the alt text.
6:54
